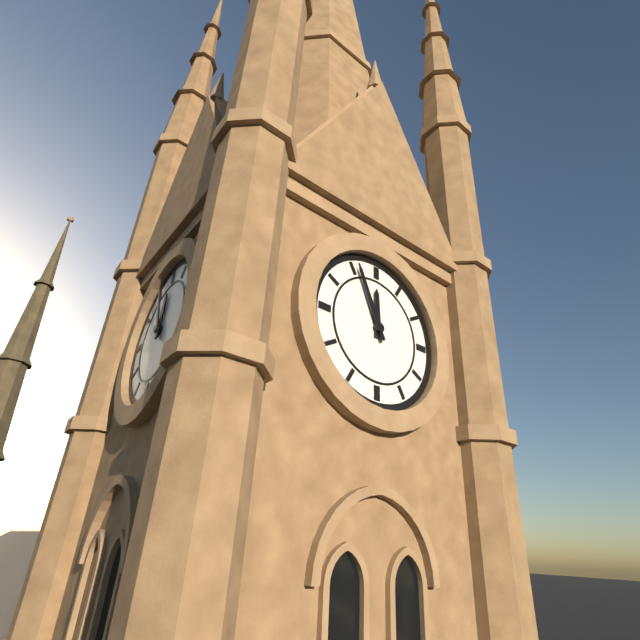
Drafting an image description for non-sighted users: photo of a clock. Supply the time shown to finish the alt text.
11:56
